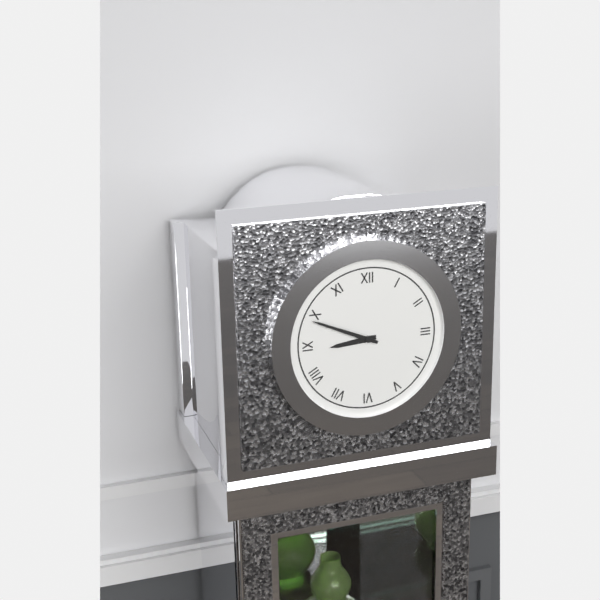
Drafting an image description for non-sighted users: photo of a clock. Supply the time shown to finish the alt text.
8:49
